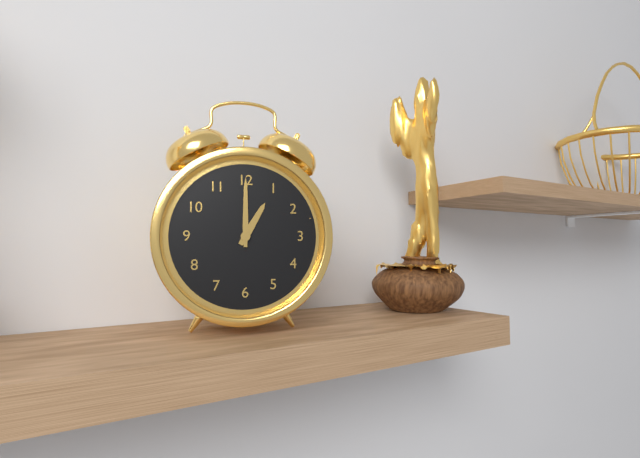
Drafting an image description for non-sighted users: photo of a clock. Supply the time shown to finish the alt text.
1:00
